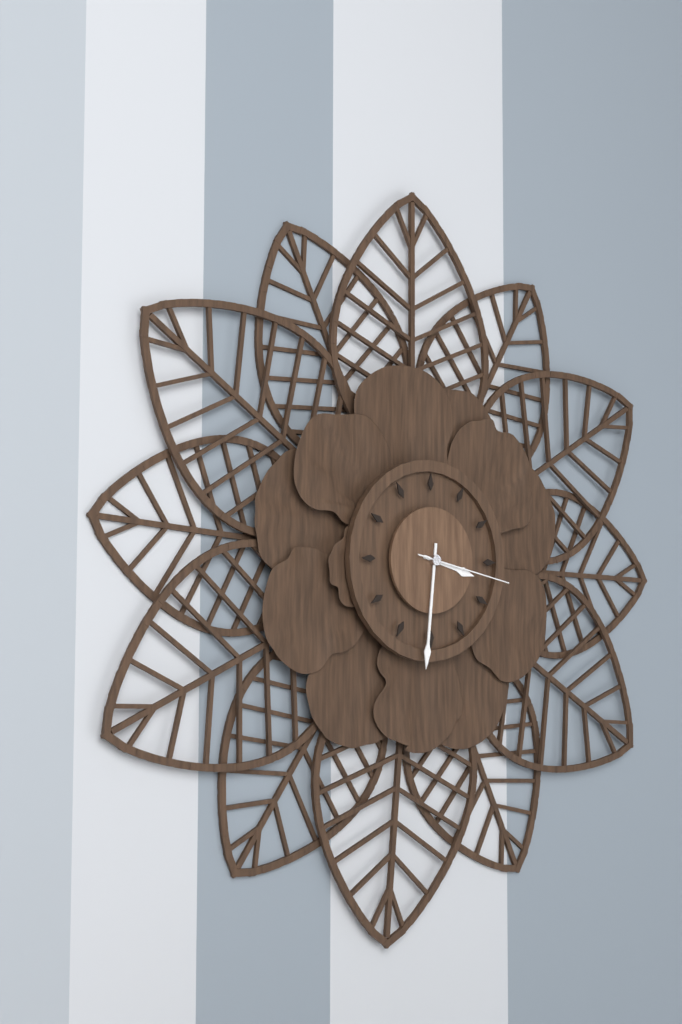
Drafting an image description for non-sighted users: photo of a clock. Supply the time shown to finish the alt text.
3:31:17
